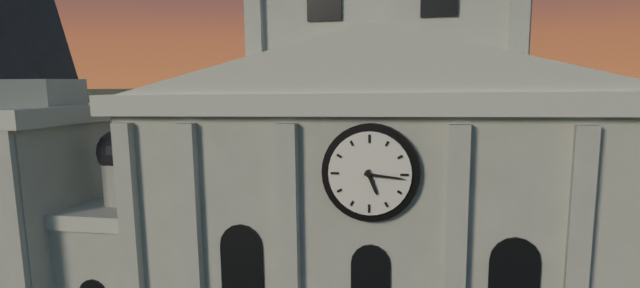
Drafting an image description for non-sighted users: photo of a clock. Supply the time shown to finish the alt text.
5:16
